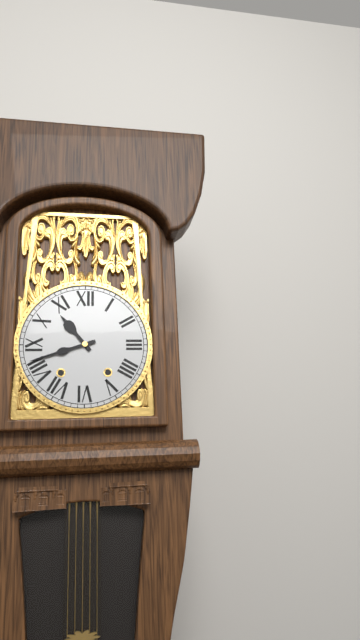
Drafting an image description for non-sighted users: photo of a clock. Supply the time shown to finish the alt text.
10:42
